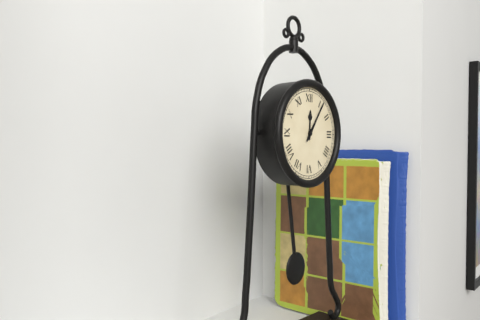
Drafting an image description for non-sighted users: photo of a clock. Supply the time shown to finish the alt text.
12:06
